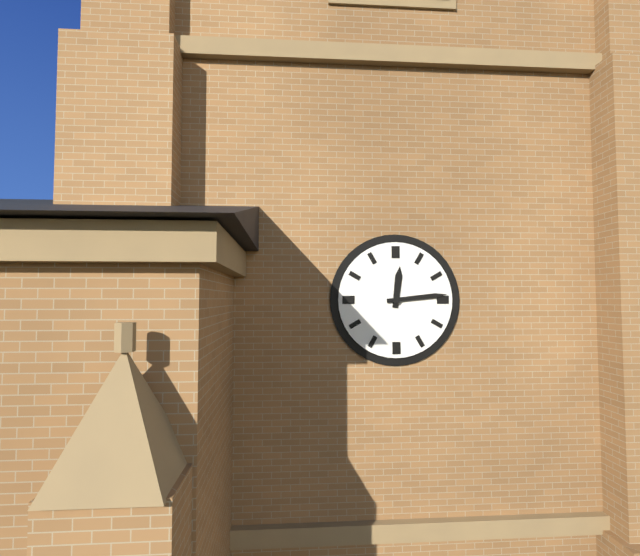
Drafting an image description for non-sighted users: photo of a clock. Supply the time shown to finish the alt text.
12:14
